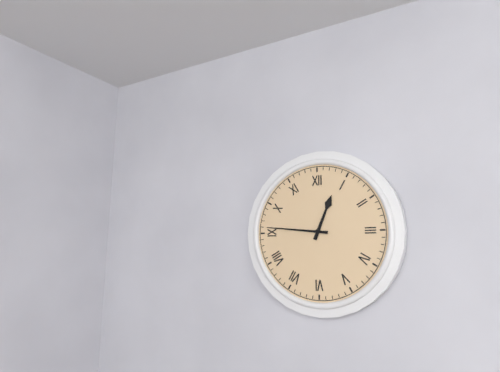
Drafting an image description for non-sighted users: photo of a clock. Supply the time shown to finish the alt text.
12:46
